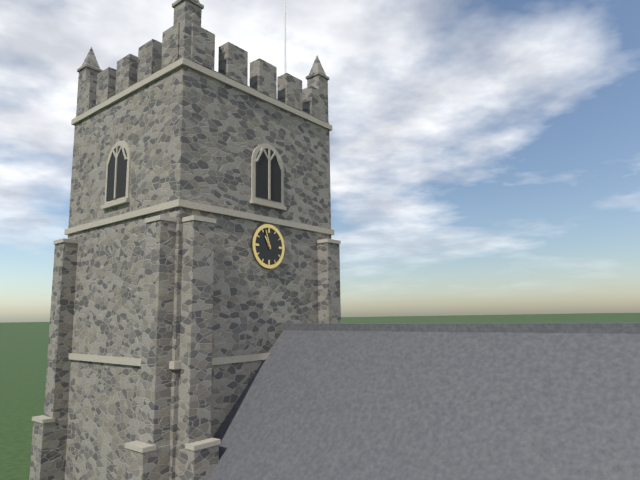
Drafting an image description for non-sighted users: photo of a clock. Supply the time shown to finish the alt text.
10:57
